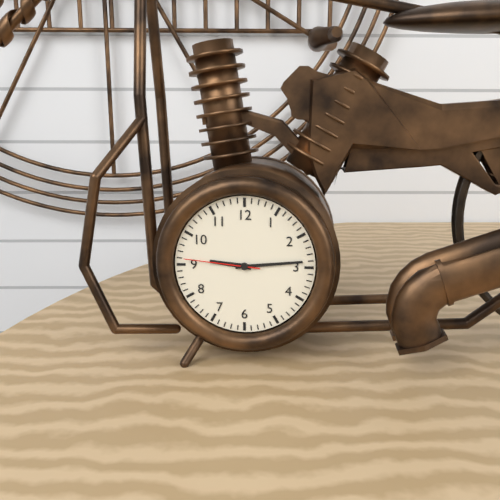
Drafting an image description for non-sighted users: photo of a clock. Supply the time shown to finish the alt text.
9:14:46
